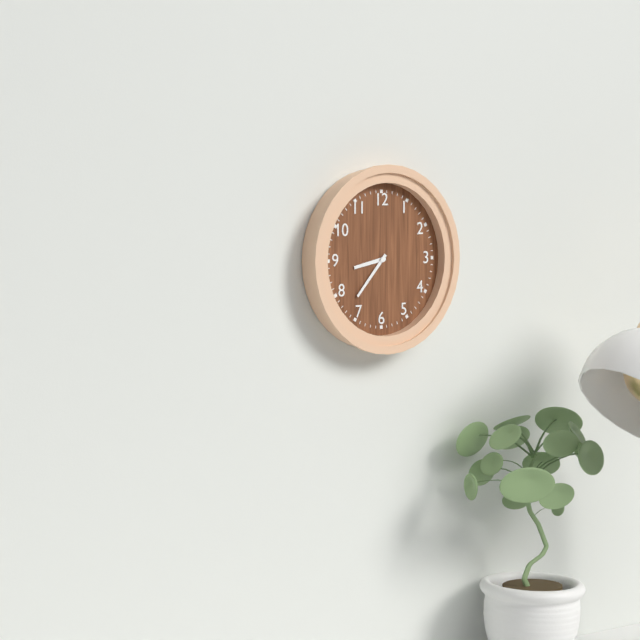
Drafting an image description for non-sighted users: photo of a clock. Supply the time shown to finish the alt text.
8:37
